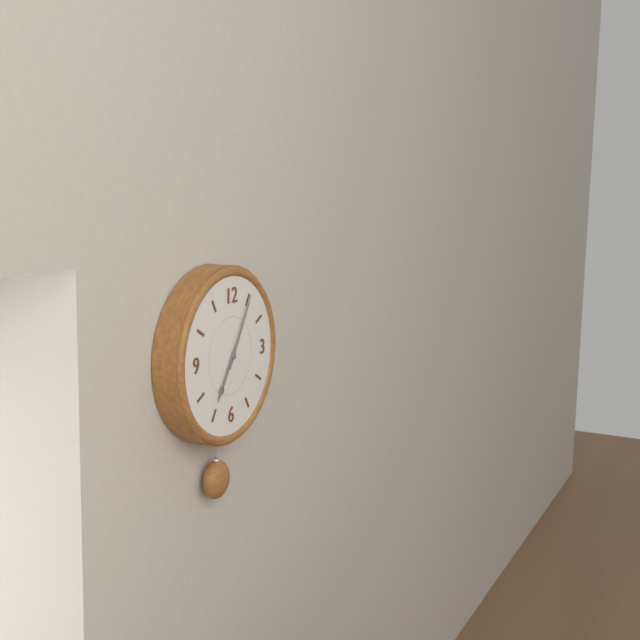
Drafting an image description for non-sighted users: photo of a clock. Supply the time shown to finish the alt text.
7:05
